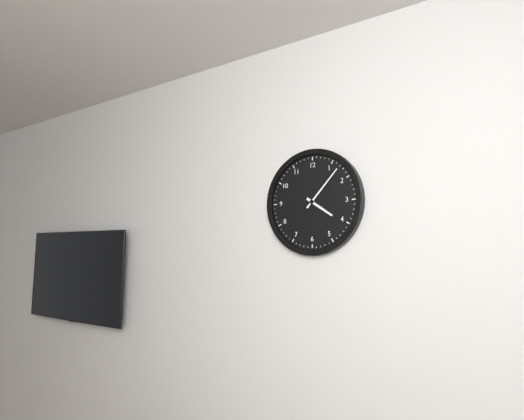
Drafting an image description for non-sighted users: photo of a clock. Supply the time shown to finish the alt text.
4:07
